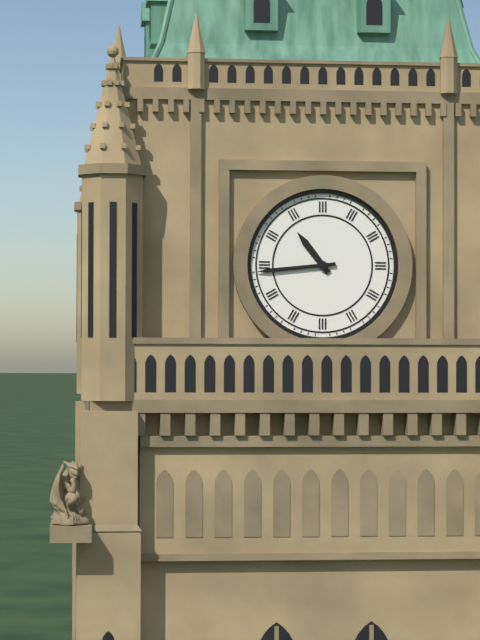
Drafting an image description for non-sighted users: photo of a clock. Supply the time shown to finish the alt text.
10:44
